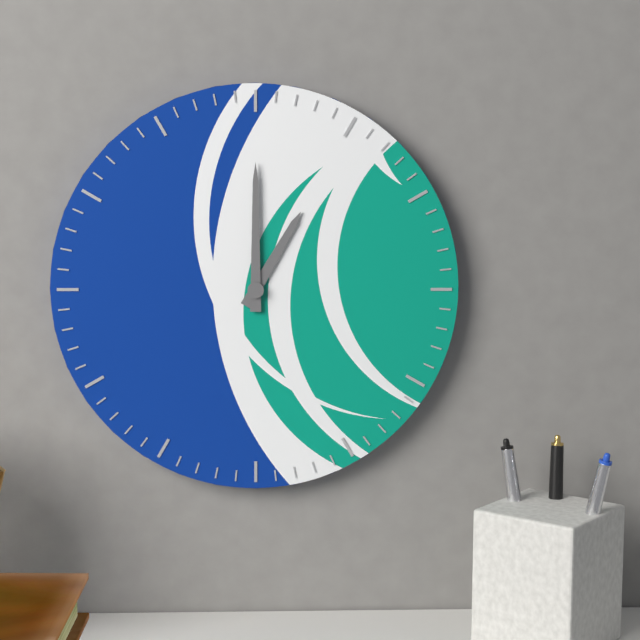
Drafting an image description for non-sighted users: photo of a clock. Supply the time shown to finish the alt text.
1:00
